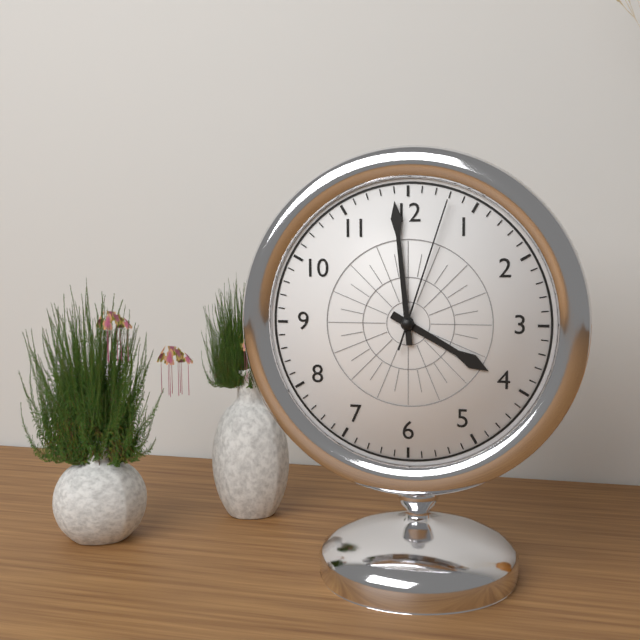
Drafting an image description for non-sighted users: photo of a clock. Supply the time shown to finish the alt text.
3:59:03
